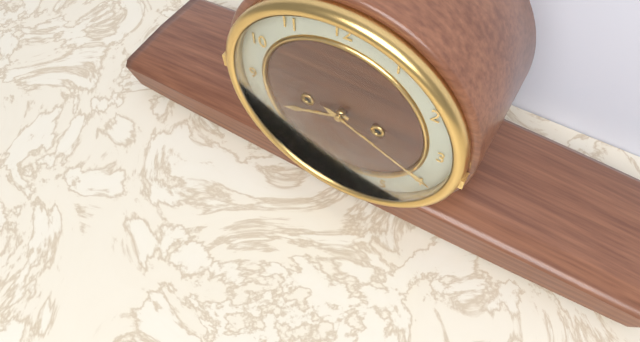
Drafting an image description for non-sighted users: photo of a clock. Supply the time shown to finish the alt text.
8:19
